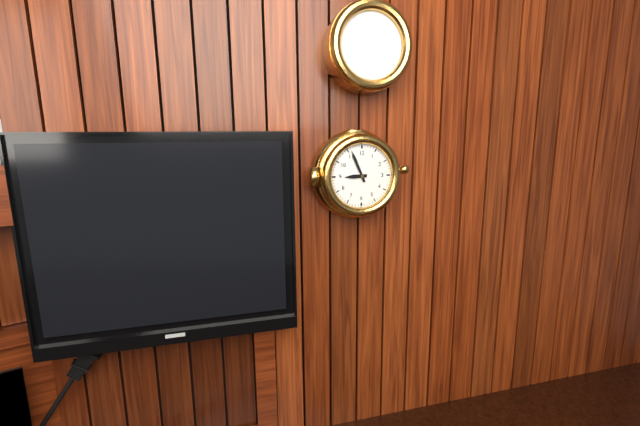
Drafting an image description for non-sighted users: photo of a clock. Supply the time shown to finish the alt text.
8:56
